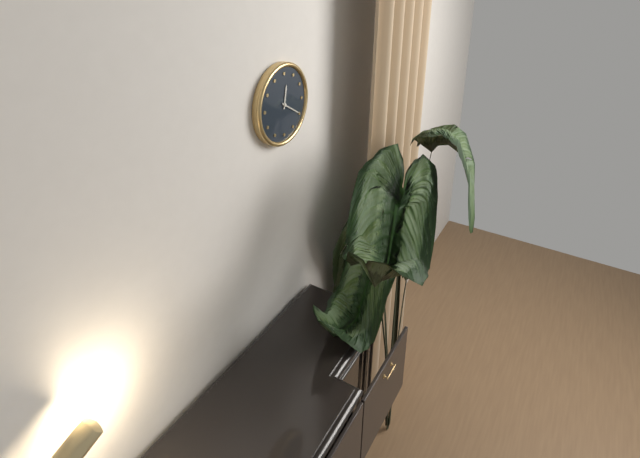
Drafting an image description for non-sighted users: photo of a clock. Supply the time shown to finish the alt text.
12:20
